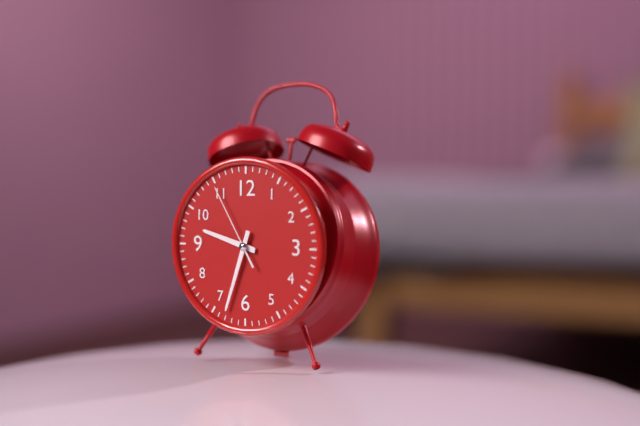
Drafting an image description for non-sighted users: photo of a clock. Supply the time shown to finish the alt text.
9:33:55
